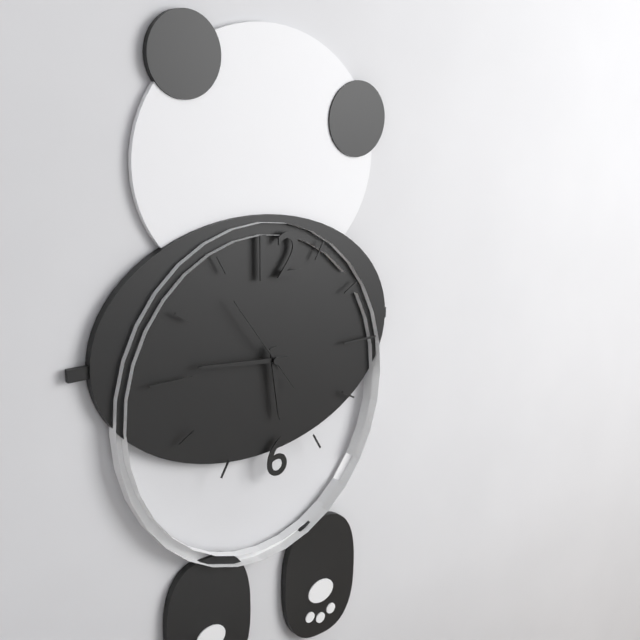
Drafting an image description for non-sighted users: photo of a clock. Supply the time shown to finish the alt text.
5:46:54
